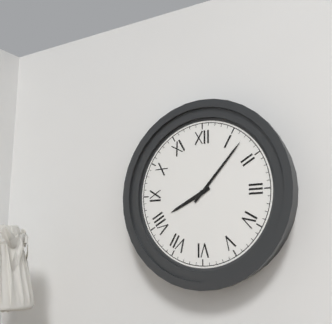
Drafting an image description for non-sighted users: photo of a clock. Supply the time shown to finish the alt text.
8:07
